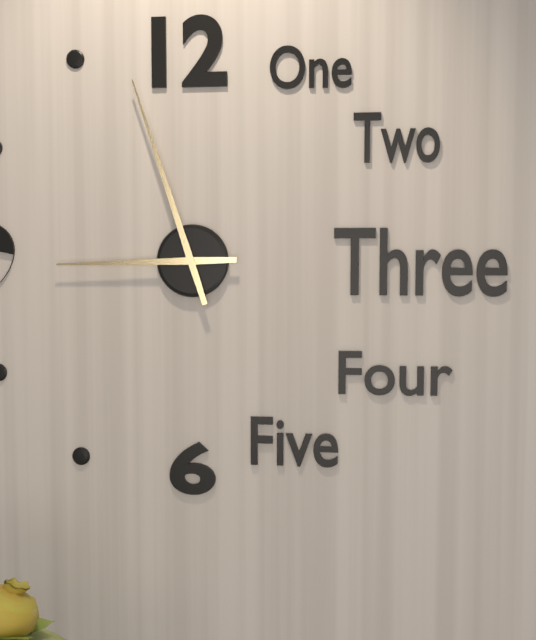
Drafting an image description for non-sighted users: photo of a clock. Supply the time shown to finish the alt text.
8:57
